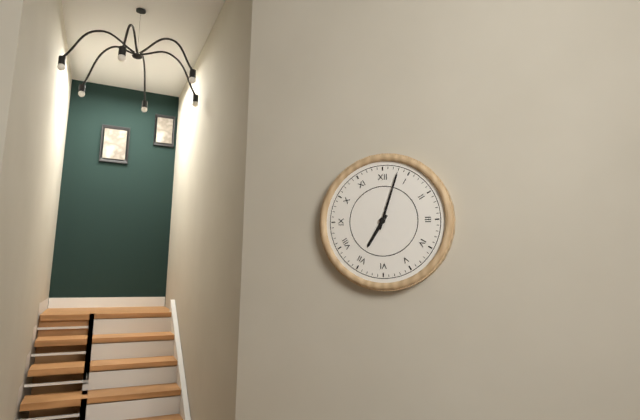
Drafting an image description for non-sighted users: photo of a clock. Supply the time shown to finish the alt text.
7:03
